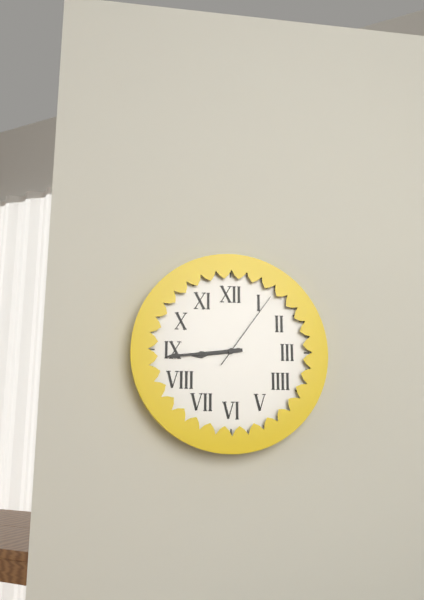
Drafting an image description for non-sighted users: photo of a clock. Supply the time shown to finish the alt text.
8:44:06
